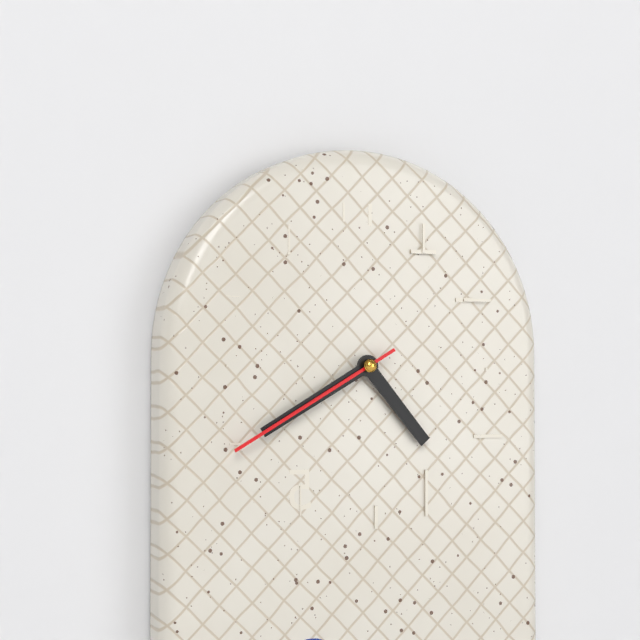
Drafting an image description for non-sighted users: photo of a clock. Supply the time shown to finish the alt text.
4:40:40
